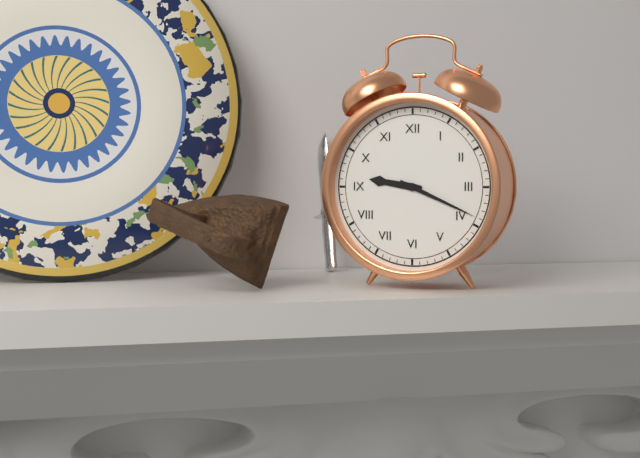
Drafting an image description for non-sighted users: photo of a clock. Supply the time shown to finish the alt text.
9:19
